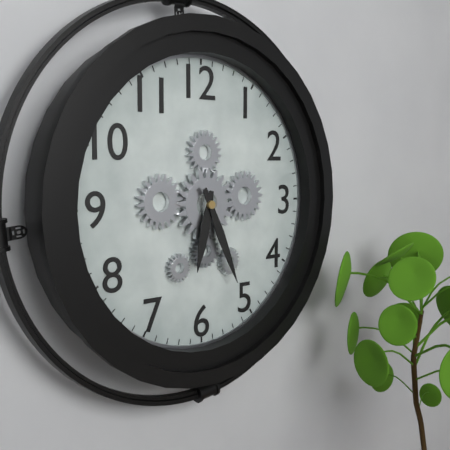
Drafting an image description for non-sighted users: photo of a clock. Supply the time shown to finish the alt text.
6:26
